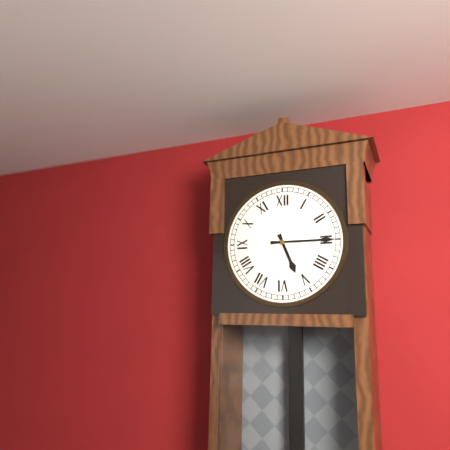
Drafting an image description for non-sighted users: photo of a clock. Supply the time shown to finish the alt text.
5:15
